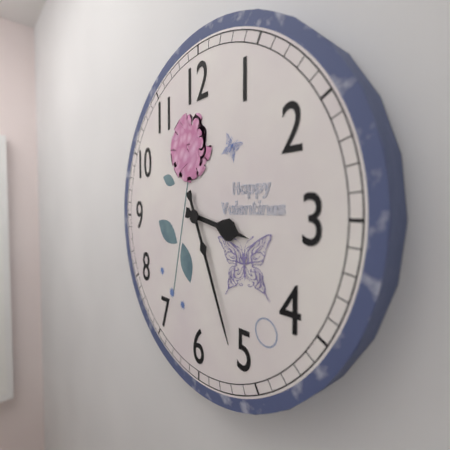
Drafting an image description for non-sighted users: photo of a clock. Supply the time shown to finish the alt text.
3:26
